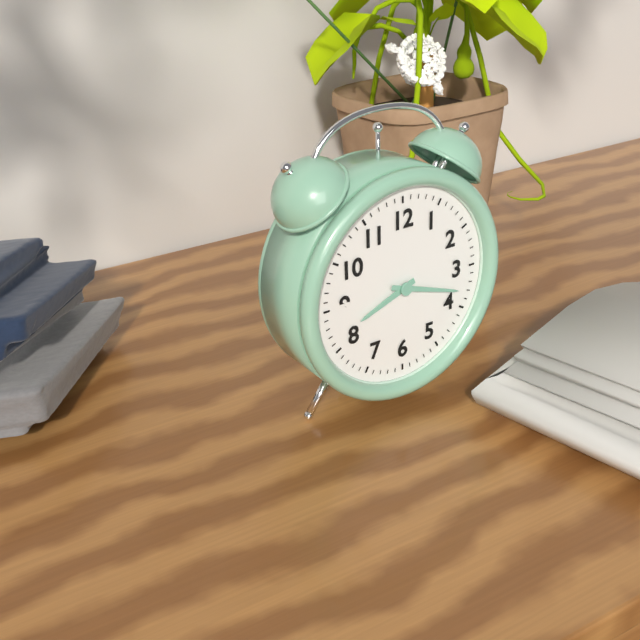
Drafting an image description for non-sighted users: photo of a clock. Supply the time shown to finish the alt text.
8:18
